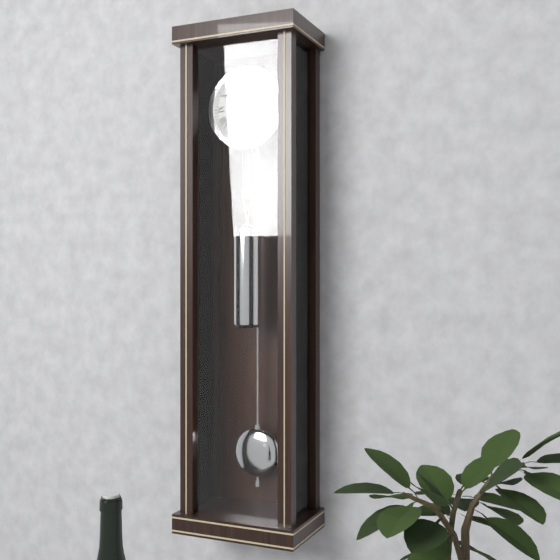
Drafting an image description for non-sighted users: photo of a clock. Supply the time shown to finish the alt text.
5:51
